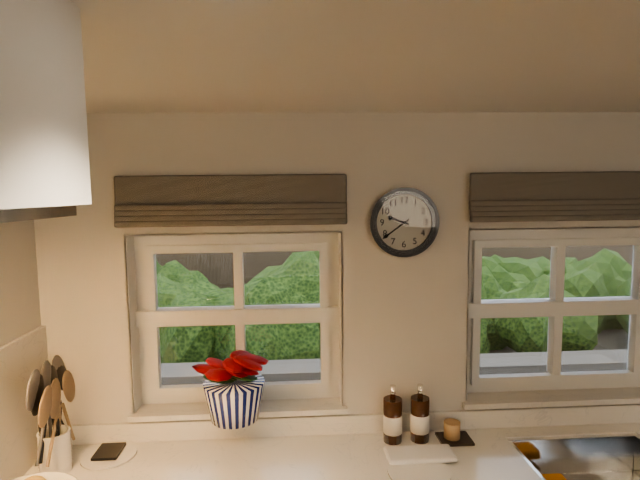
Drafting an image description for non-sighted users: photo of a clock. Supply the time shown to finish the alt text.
9:39
